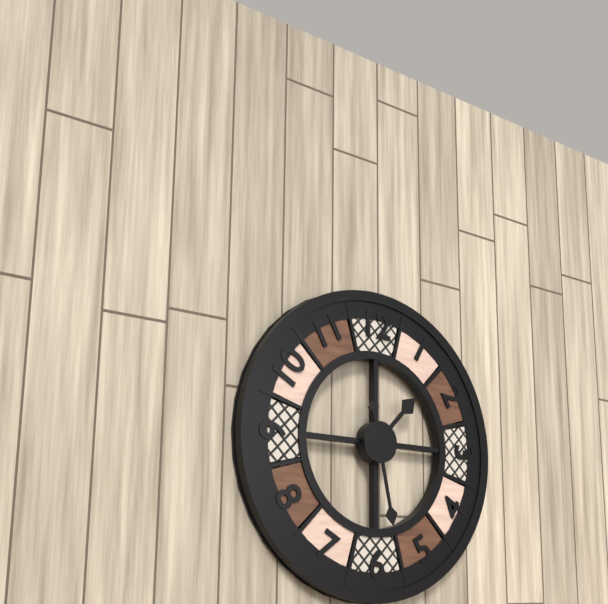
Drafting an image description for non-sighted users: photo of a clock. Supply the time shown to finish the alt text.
1:28
